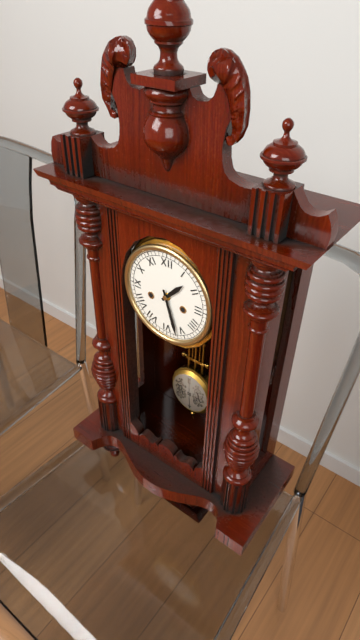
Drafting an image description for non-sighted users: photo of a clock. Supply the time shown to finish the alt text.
1:27
